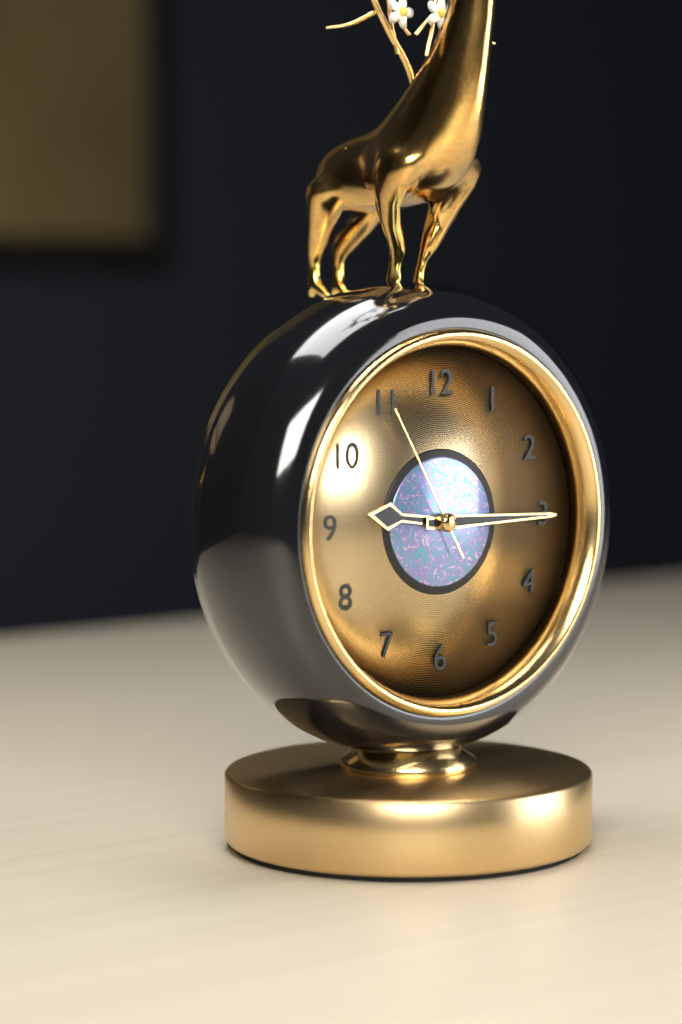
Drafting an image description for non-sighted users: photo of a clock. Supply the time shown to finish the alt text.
9:15:55
